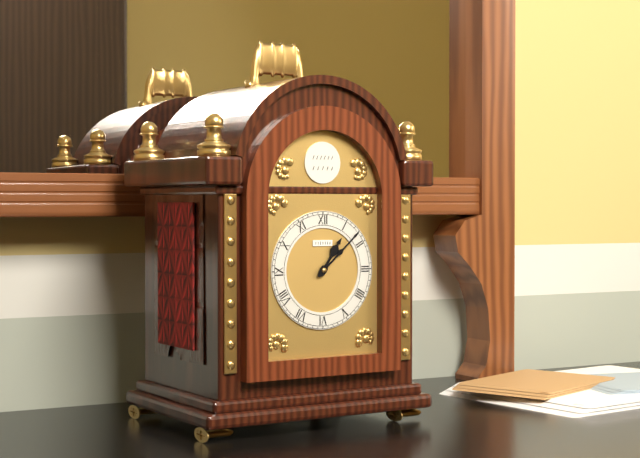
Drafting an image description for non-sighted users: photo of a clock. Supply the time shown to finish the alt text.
1:08
